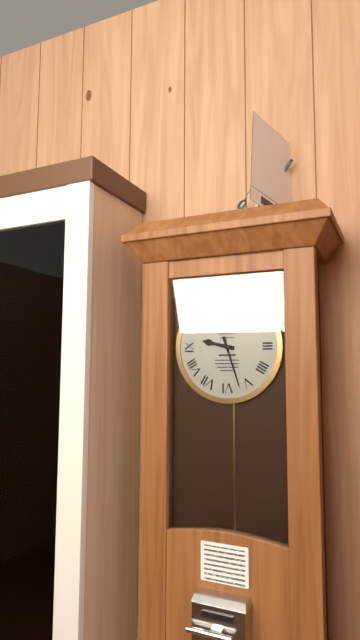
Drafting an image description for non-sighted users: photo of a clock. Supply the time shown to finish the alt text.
9:27
